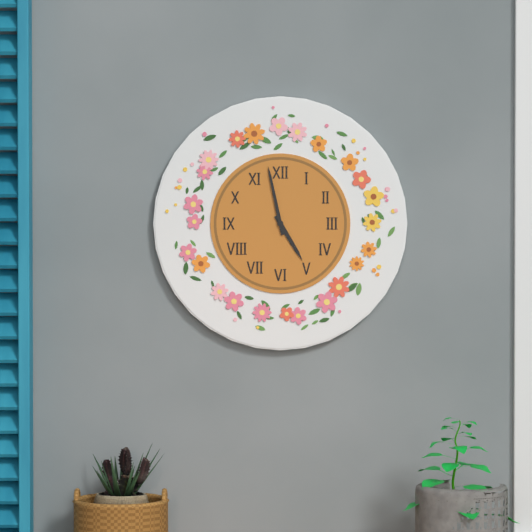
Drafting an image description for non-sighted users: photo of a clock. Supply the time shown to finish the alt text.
4:58
